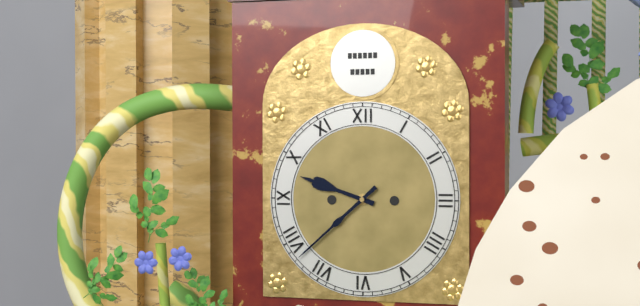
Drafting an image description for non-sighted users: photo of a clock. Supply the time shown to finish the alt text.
9:38
